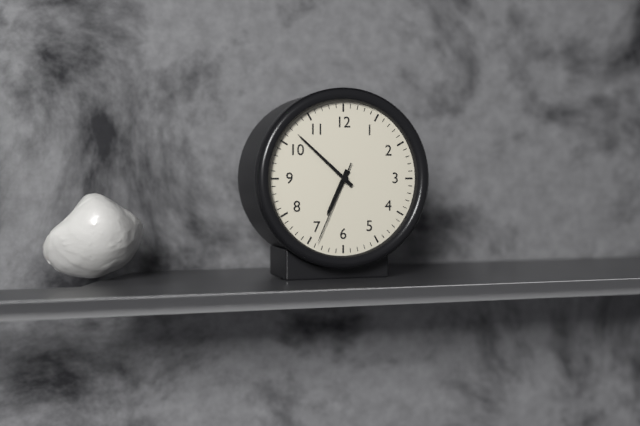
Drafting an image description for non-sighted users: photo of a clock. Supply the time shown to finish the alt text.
6:52:34
